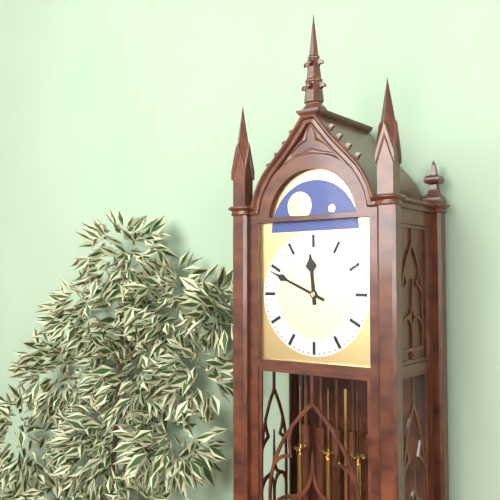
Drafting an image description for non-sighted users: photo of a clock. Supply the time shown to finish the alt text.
11:49
